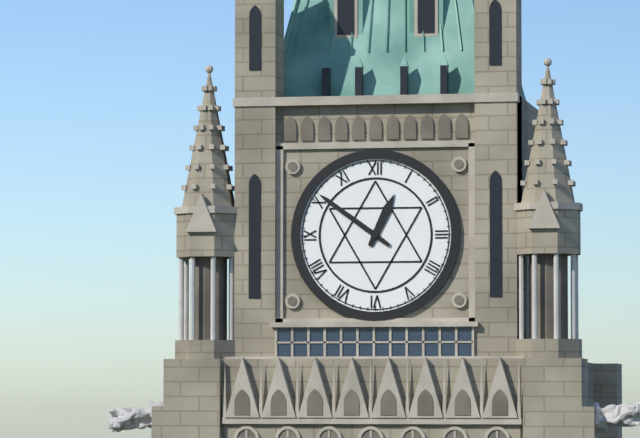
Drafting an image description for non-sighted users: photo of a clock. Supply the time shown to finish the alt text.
12:51
